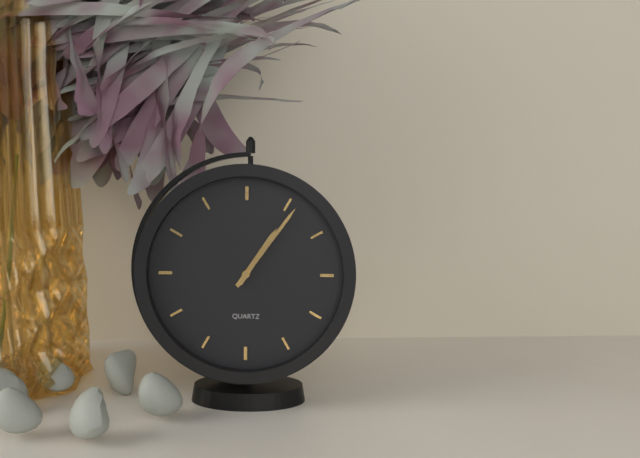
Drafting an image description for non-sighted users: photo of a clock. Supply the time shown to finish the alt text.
1:06
